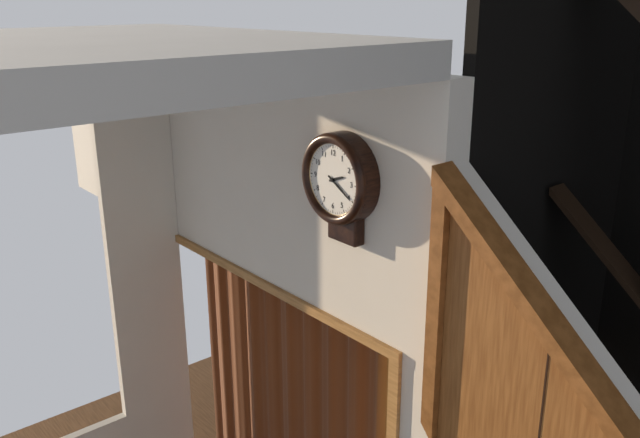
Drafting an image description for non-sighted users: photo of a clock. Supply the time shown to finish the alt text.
2:20
